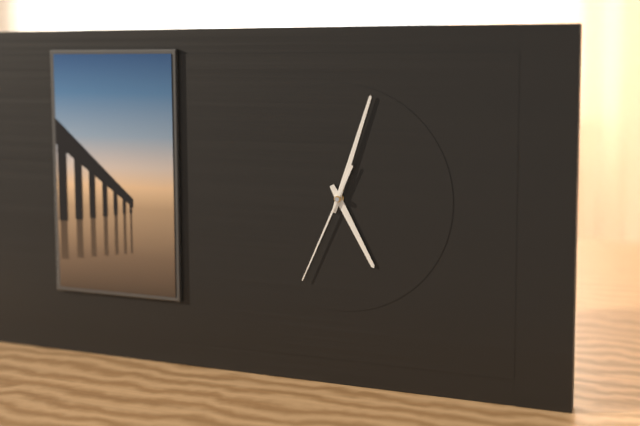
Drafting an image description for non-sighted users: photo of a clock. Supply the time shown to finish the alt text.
5:03:34
